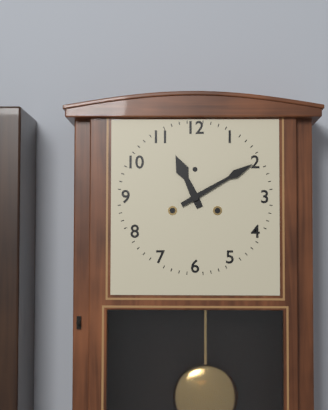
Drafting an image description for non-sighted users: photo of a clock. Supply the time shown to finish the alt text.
11:10
